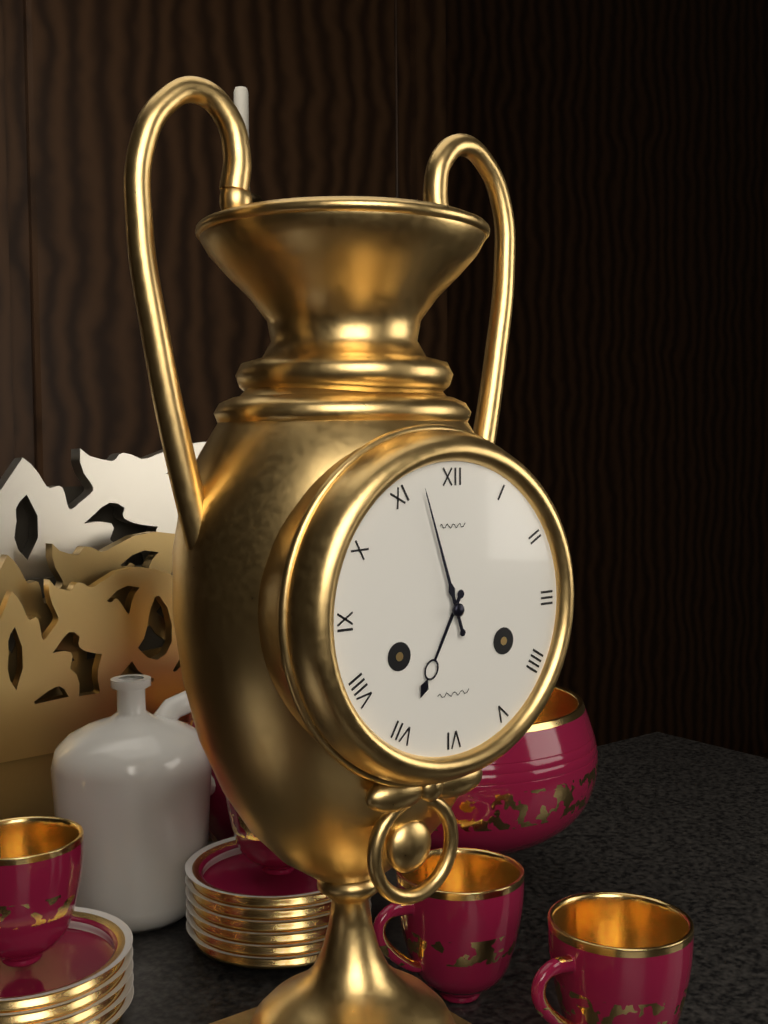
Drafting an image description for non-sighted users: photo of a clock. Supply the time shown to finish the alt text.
6:57
